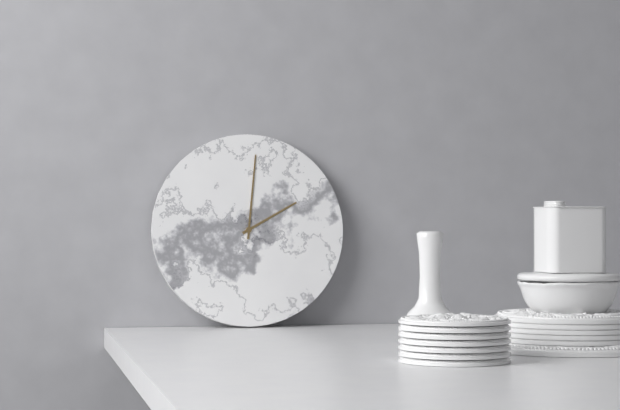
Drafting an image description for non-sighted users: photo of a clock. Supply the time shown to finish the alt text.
2:01
